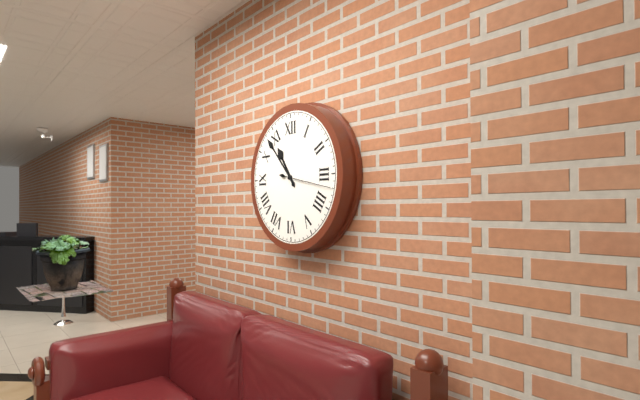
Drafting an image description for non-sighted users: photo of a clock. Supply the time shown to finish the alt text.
10:53:17
